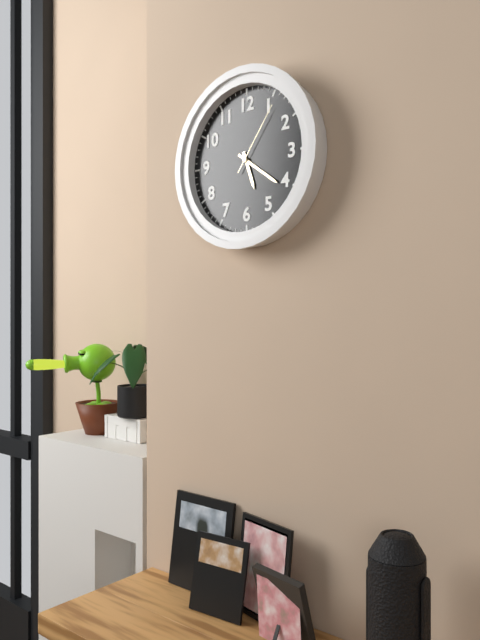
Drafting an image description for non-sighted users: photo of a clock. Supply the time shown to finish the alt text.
5:21:06
